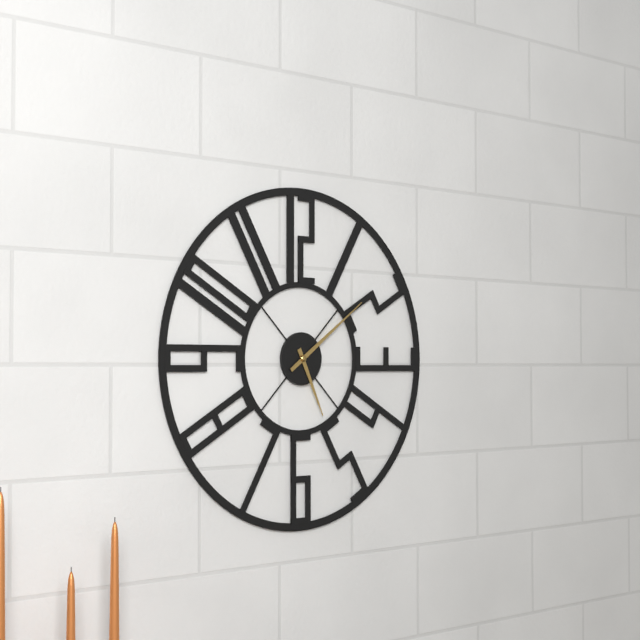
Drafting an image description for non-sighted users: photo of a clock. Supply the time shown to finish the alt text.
5:09
